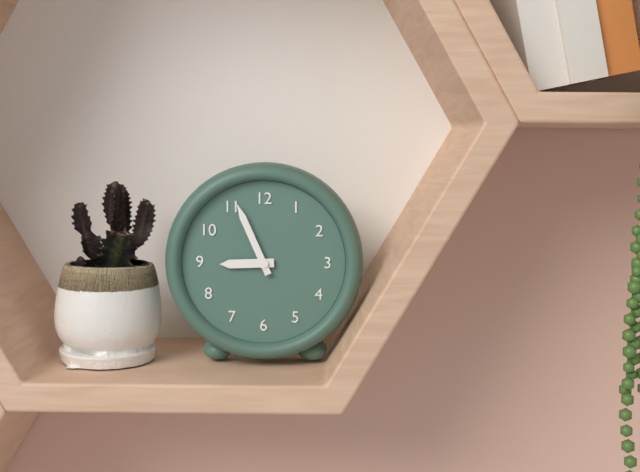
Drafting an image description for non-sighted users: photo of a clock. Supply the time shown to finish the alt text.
8:56
